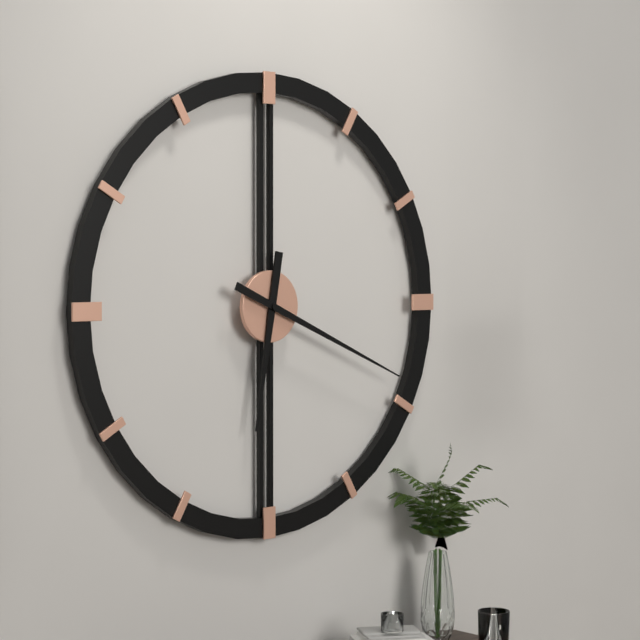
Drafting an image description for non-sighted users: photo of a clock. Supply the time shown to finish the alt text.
6:19
